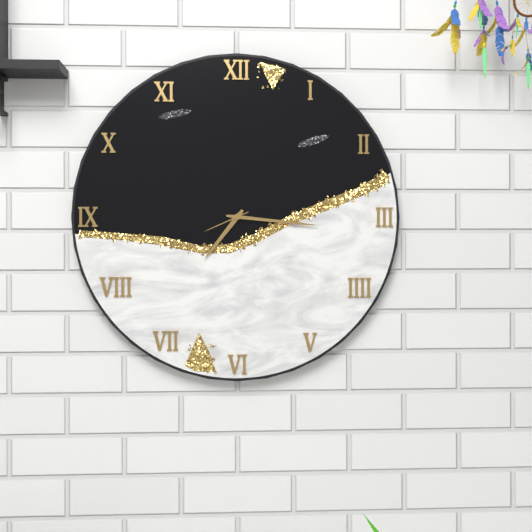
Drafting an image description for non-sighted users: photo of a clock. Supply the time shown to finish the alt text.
7:16
